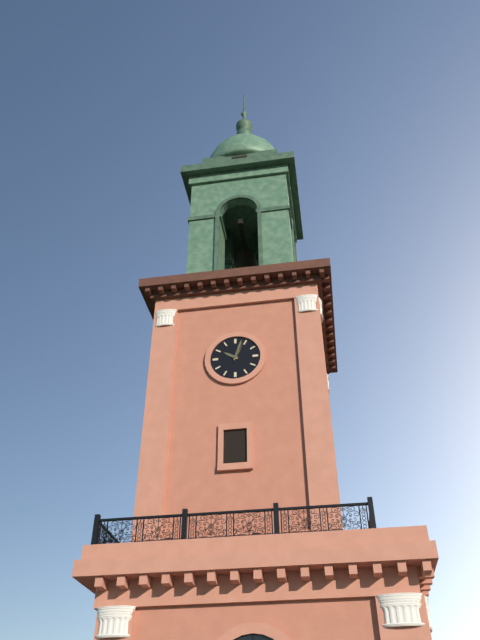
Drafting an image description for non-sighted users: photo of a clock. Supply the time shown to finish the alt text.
10:03
